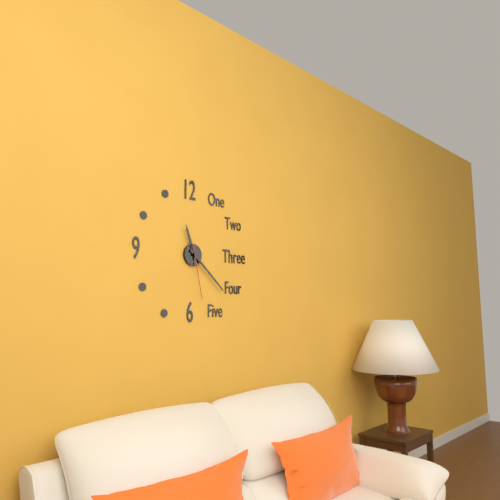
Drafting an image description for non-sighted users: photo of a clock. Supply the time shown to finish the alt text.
11:22:28
